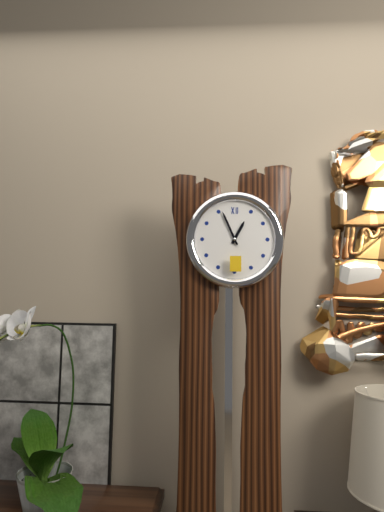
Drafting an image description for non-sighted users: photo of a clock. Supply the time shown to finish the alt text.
12:56
